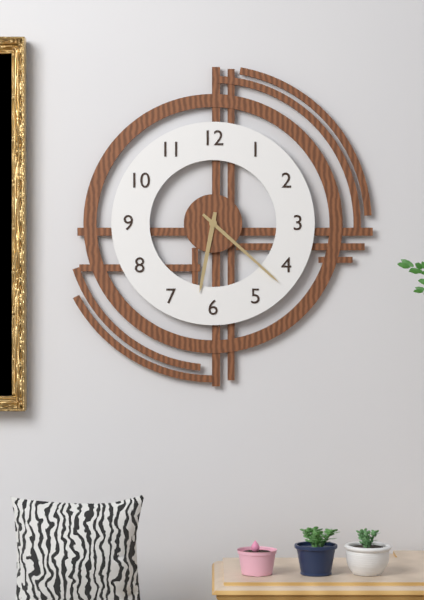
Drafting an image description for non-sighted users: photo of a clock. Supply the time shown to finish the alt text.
6:22
